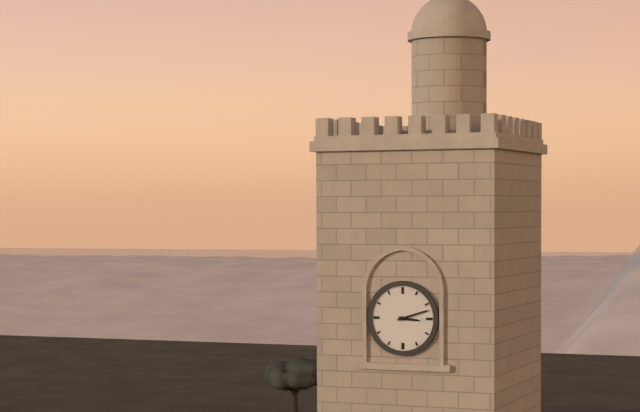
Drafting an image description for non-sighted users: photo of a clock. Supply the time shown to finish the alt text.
3:12
